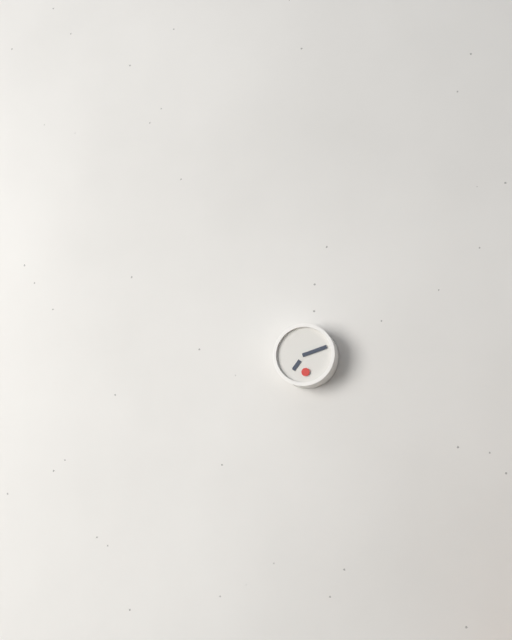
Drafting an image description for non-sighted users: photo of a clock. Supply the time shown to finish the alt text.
7:12
